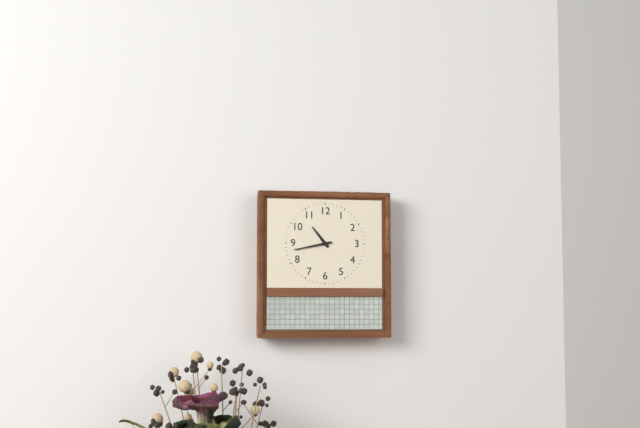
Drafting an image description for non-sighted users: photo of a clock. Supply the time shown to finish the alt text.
10:43
